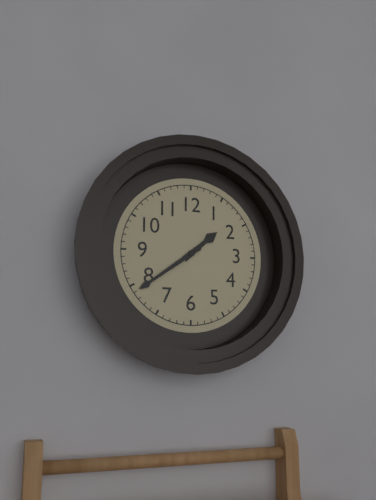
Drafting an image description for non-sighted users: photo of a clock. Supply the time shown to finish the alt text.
1:39
